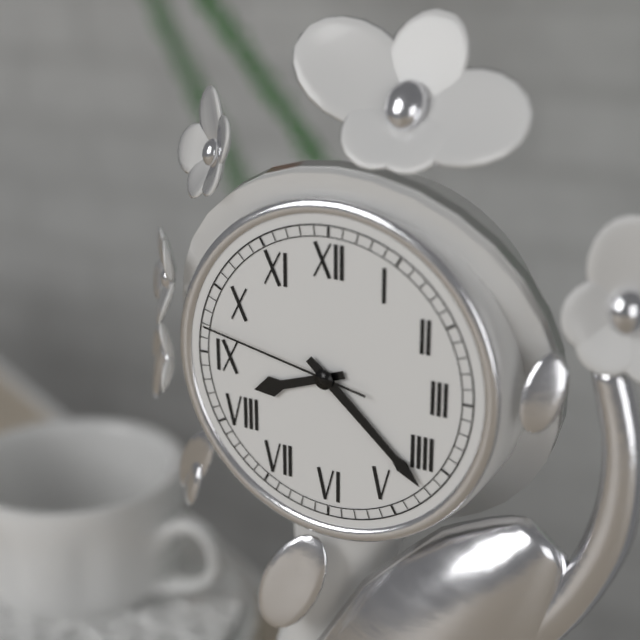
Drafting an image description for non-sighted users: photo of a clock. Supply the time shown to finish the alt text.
8:22:47
